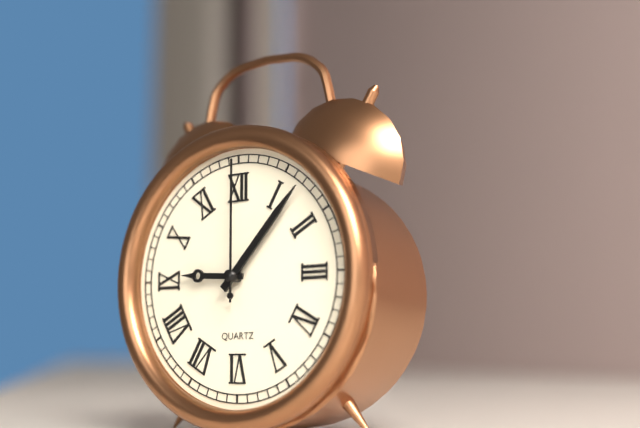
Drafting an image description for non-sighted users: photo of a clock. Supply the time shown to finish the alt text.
9:07:00
